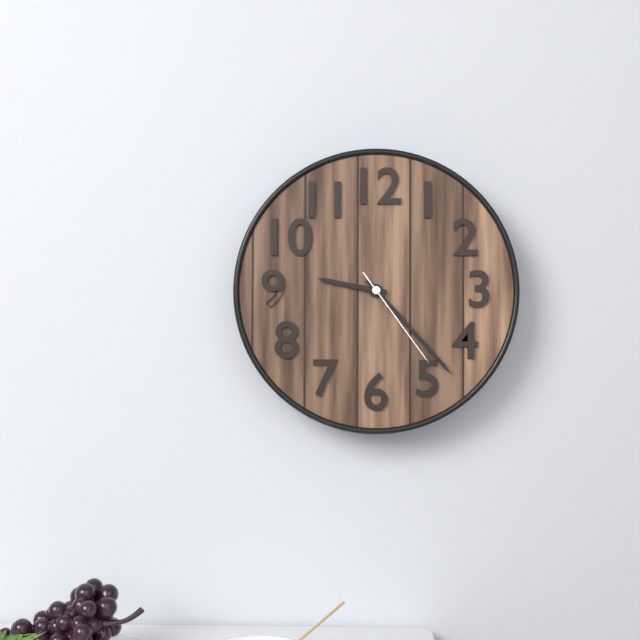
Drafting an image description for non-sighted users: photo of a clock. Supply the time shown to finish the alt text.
9:23:24
